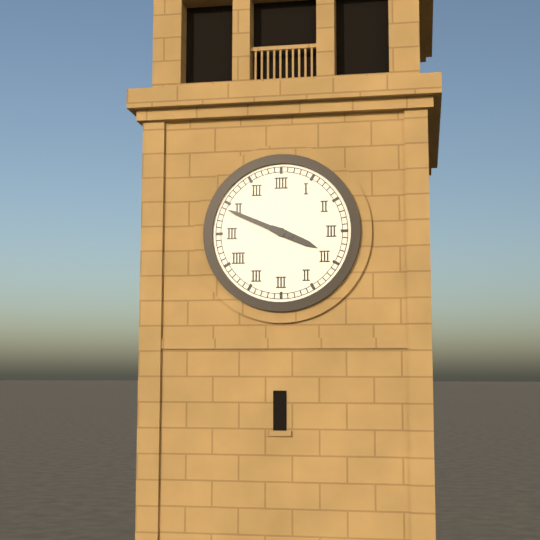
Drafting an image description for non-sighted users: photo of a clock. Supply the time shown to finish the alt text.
3:49
